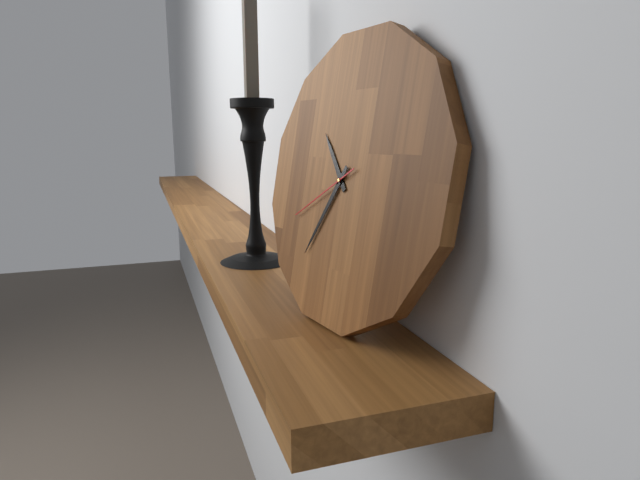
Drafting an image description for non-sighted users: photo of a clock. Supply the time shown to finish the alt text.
10:35:40
